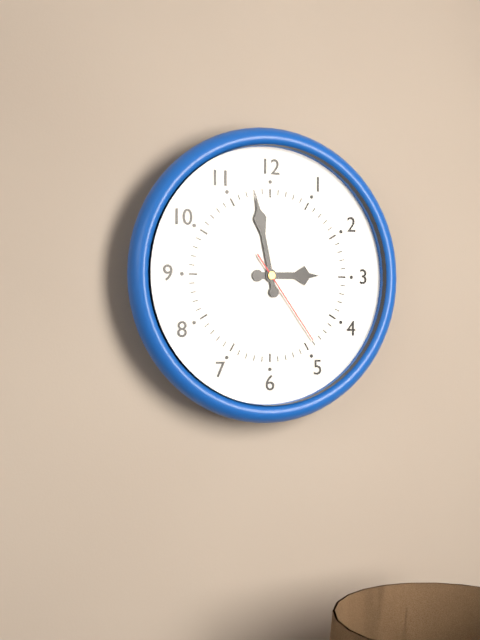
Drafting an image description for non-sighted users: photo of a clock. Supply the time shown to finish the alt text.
2:58:24
